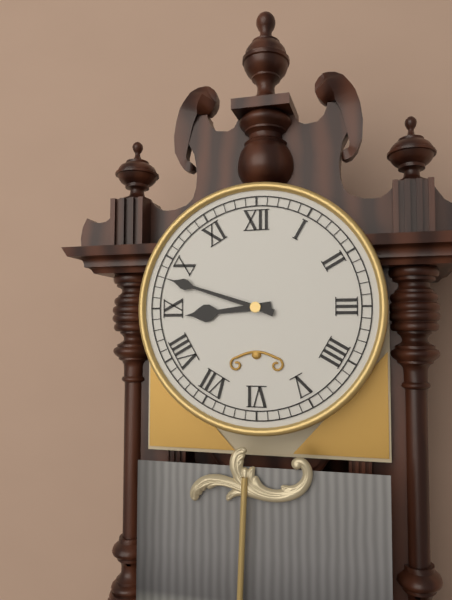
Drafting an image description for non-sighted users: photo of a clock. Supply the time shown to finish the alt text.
8:48
